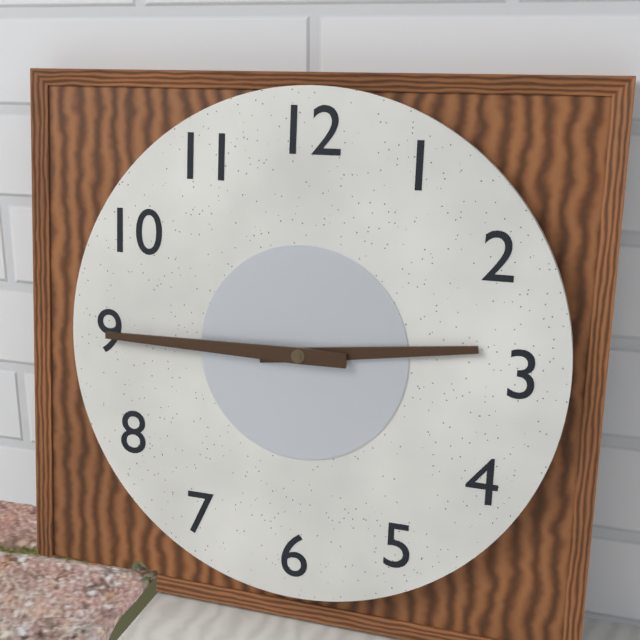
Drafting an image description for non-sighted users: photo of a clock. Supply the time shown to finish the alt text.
2:45
